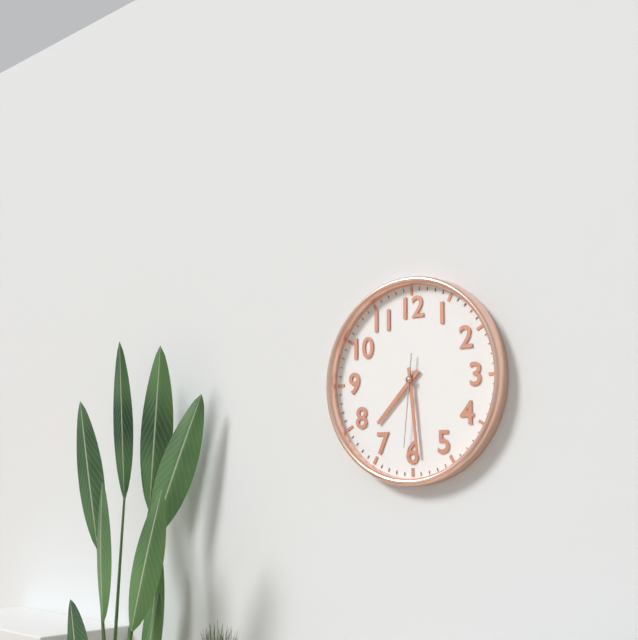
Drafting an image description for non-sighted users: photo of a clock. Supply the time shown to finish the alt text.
7:29:31
